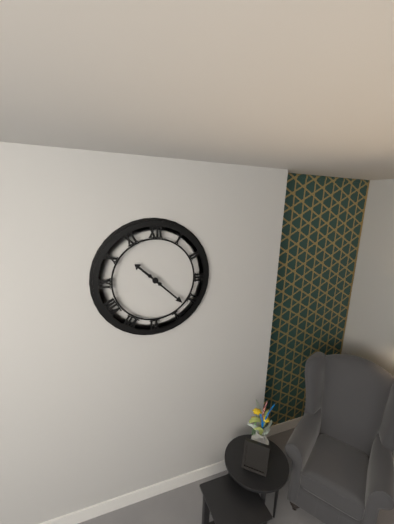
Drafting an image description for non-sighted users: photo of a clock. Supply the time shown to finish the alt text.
10:22
